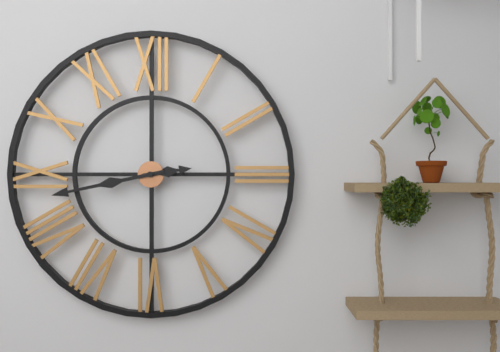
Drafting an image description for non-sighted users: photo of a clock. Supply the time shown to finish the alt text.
2:43
